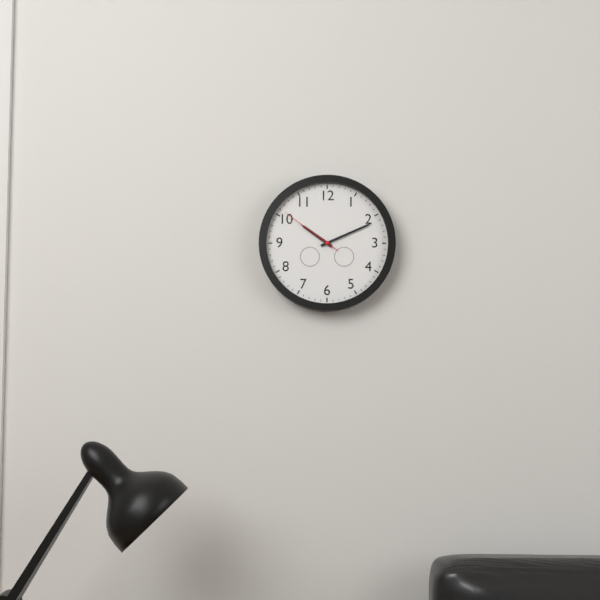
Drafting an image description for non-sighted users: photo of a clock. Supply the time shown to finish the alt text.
10:11:51
